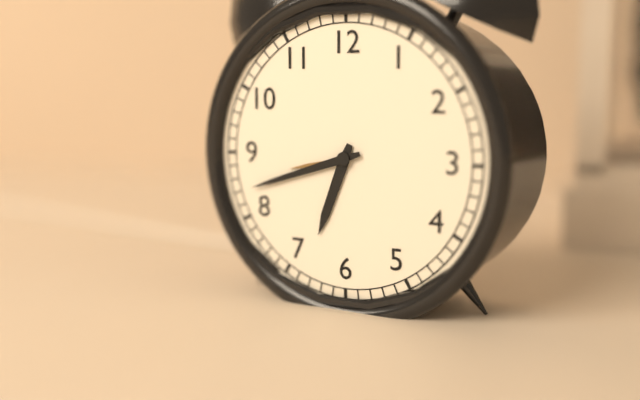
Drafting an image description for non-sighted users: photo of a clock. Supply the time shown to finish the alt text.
6:42
